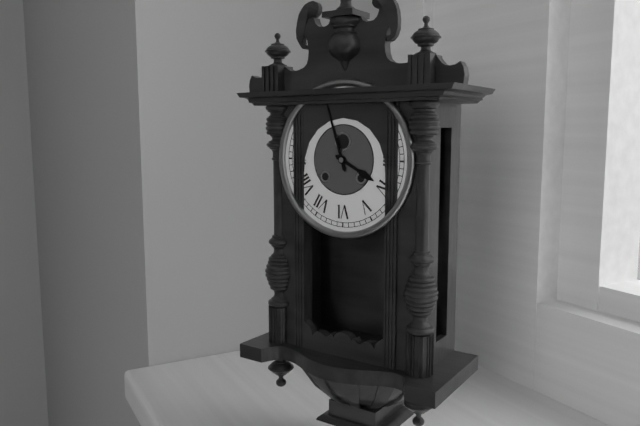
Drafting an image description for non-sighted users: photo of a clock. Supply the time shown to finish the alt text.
3:57
